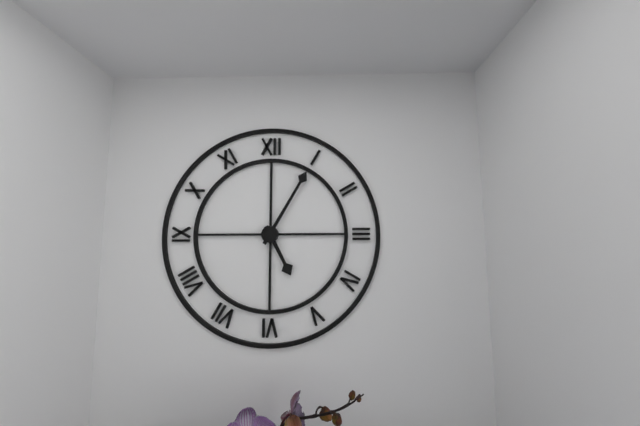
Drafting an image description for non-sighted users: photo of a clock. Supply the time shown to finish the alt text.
5:05
